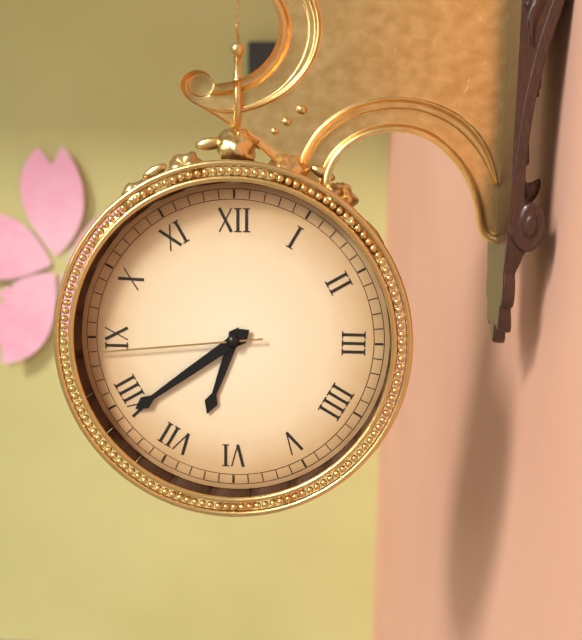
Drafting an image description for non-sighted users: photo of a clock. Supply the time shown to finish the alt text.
6:39:44
